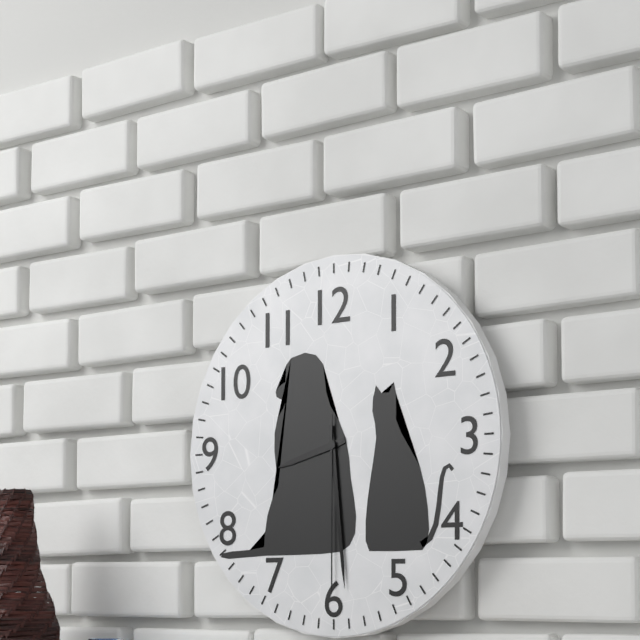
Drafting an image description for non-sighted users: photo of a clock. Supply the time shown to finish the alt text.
8:29:30
